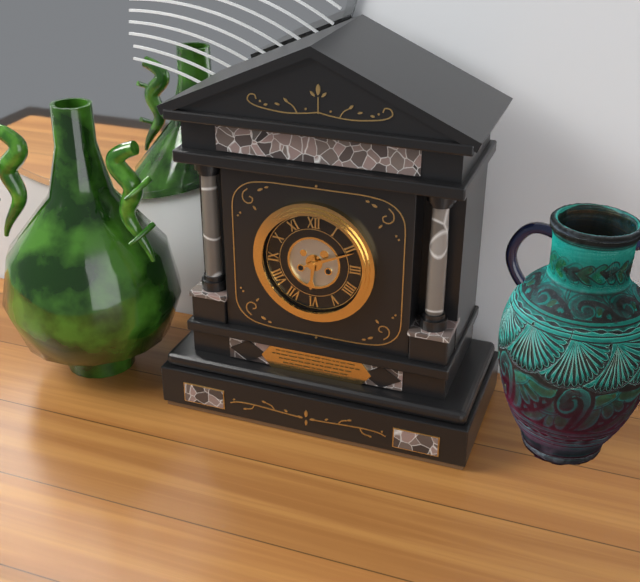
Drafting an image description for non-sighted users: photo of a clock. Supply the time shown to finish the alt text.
6:11
